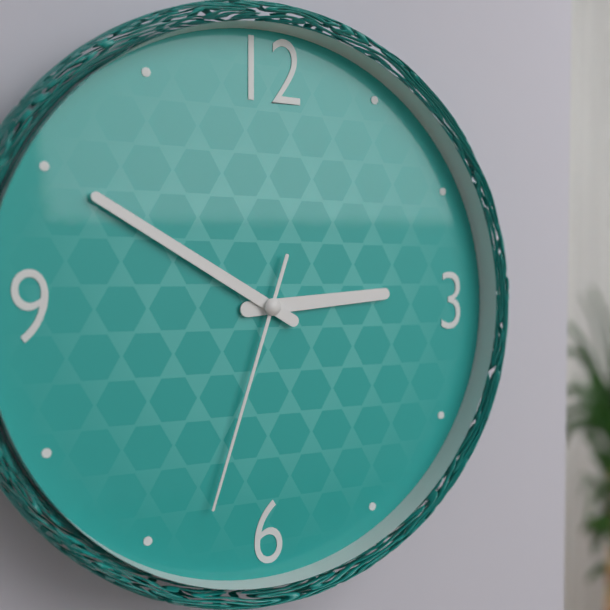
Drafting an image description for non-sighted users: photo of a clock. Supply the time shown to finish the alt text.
2:50:33
